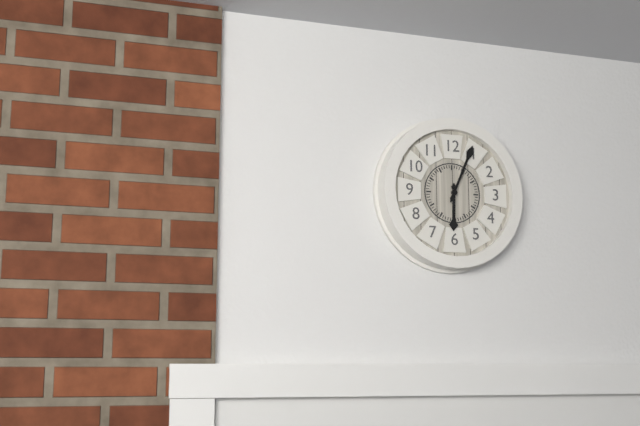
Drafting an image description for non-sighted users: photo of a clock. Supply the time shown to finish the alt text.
6:04
